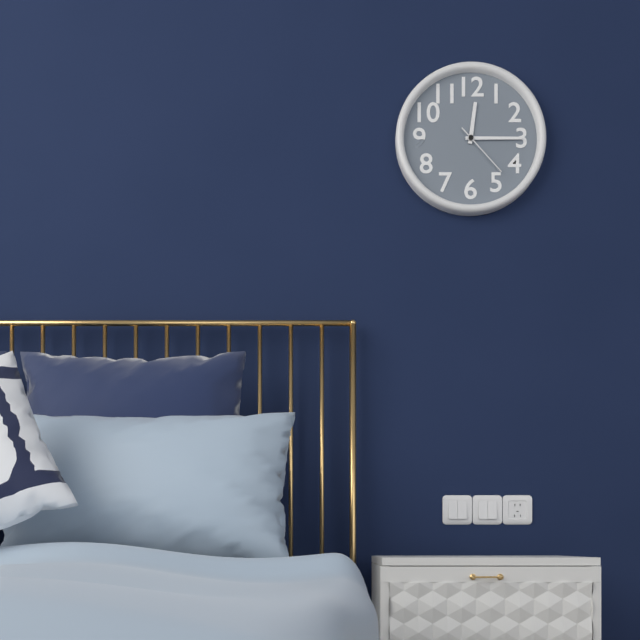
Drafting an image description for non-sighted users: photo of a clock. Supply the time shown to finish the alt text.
12:15:23
